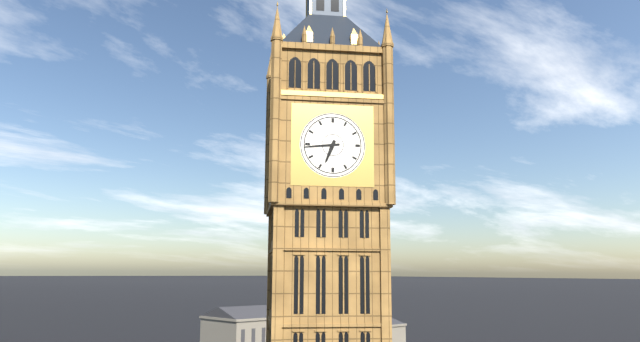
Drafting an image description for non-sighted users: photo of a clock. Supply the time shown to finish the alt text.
6:44
